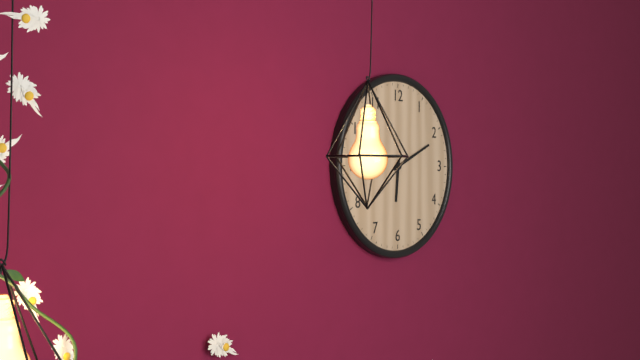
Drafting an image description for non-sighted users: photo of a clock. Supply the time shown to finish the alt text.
6:11
